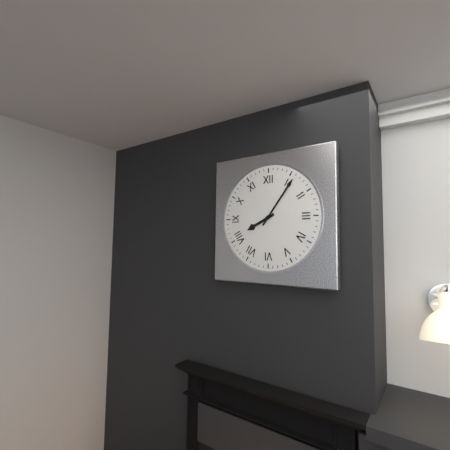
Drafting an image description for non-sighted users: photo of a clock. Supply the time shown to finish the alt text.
8:06
